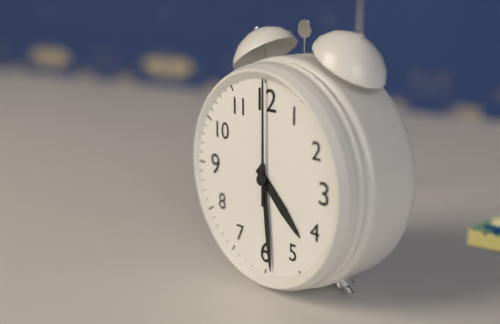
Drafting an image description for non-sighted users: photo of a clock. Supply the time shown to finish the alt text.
4:29:00
